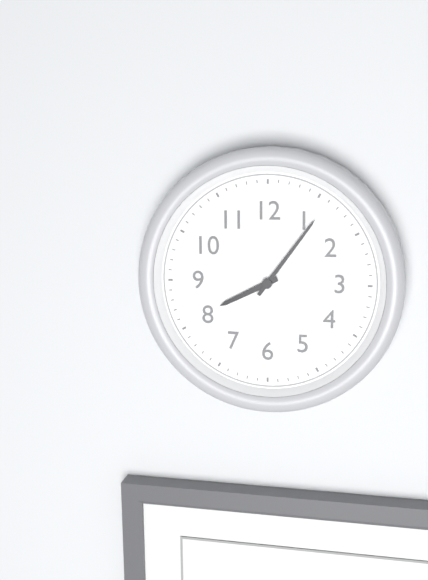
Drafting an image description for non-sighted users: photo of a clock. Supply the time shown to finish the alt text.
8:06
